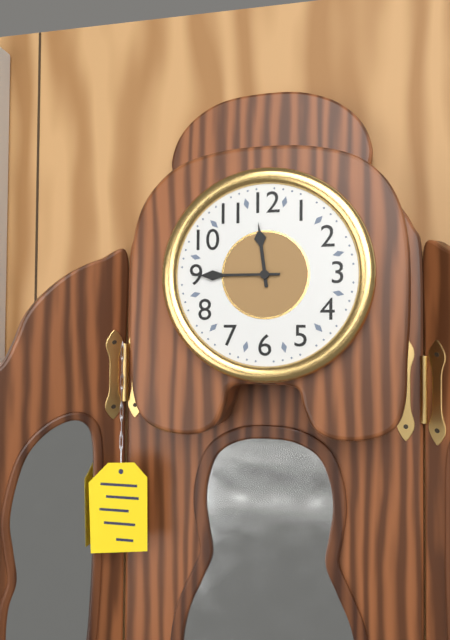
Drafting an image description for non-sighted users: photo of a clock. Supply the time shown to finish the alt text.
11:45
